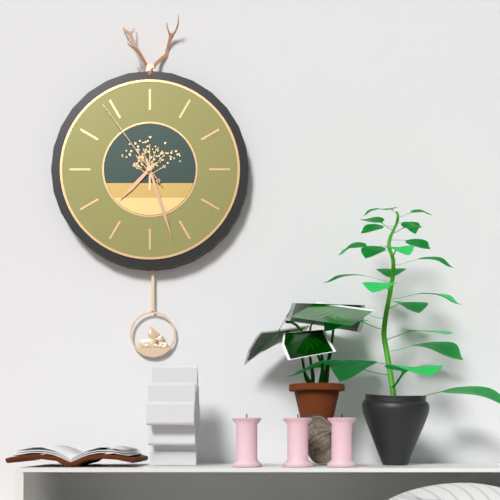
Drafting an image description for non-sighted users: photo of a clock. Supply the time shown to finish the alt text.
7:27:54
